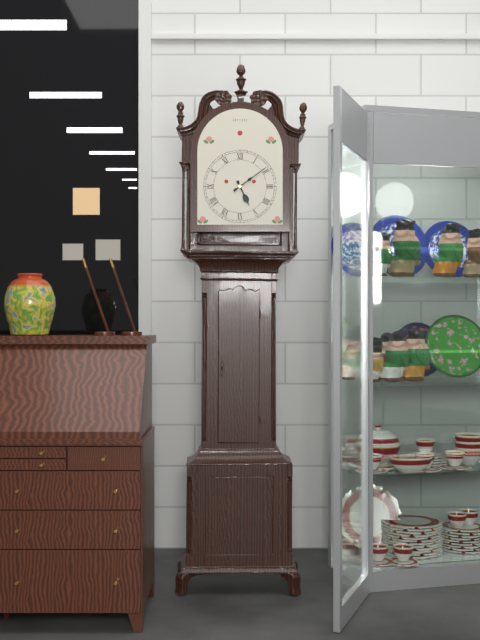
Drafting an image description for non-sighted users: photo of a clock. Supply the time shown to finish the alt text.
5:09
